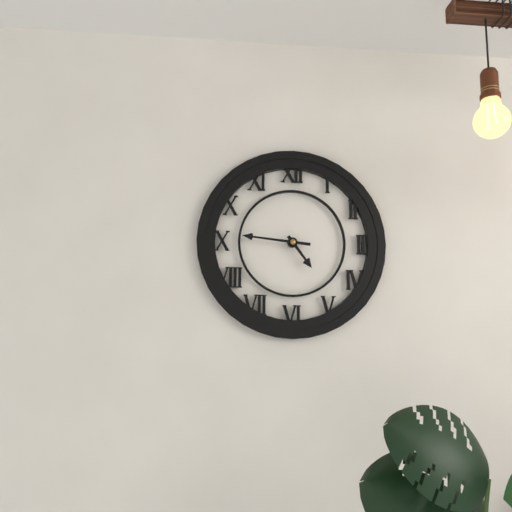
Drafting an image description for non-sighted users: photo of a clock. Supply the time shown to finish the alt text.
4:46
